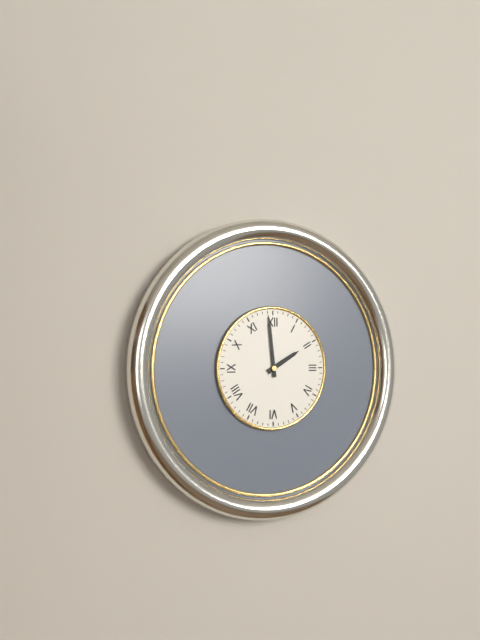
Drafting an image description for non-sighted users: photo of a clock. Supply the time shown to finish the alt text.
1:59
